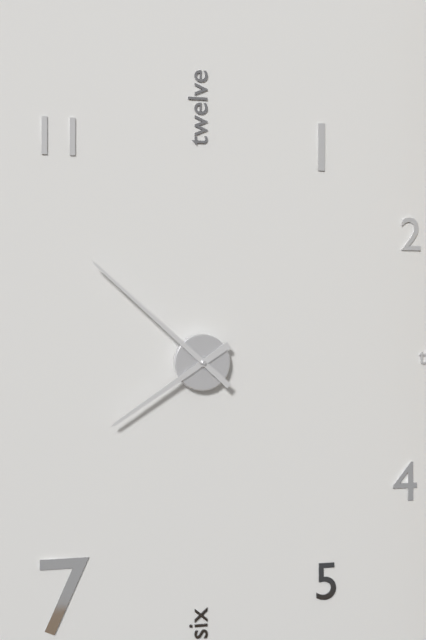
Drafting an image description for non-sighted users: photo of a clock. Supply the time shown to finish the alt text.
7:52
